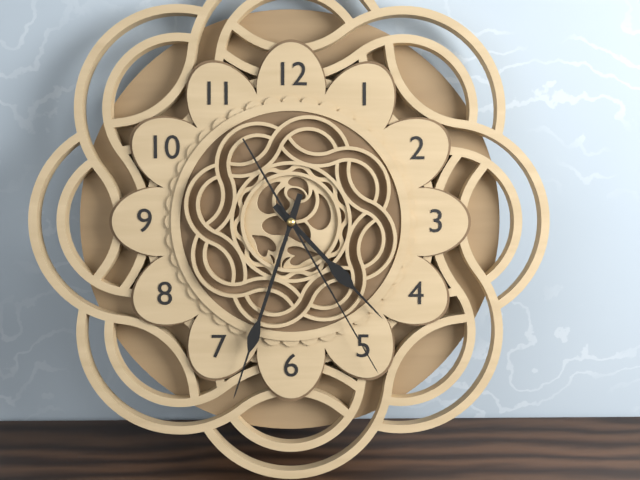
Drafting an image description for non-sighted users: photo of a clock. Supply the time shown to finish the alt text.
4:33:25
